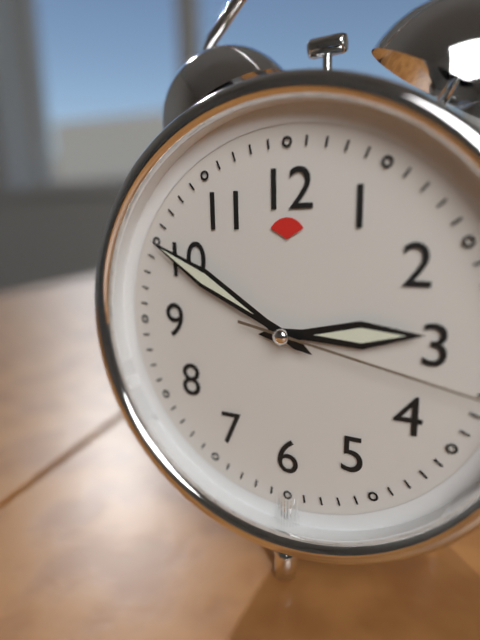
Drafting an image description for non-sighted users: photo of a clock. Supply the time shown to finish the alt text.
2:50
